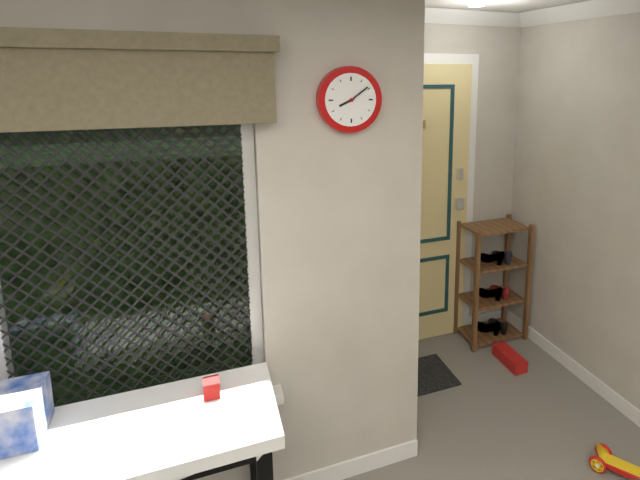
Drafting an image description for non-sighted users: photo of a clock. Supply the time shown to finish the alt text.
8:09
